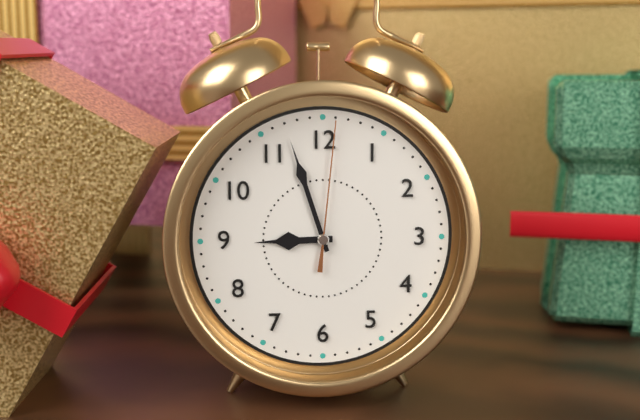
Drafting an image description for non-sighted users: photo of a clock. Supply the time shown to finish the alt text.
8:57:01
